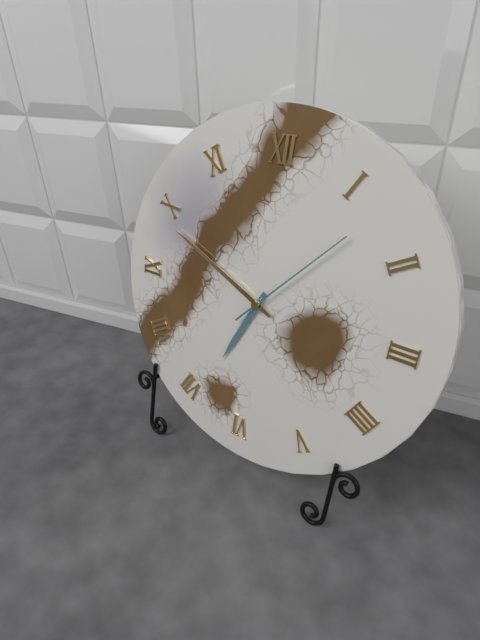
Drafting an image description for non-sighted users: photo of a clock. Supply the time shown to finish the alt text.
6:49:07
